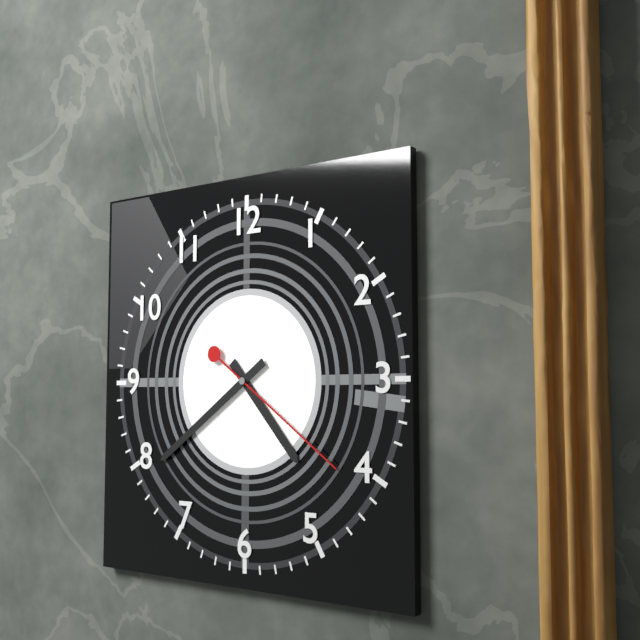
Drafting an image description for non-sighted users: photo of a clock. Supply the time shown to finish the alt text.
4:39:21
